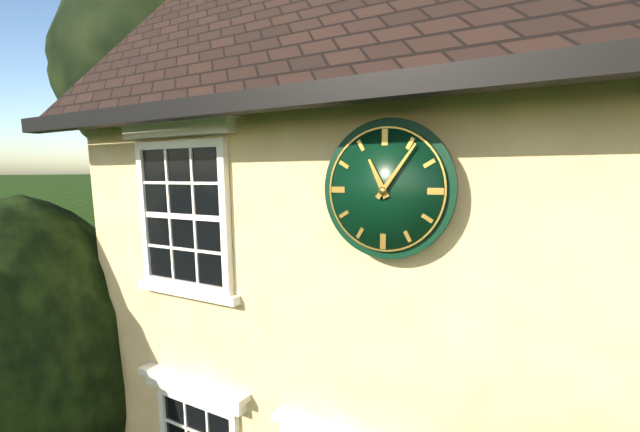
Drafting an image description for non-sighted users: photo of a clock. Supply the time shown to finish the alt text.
11:06
